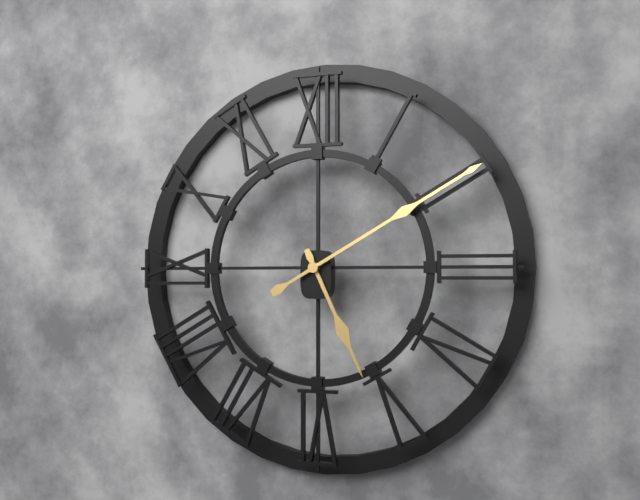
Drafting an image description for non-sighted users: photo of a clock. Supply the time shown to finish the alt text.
5:10
